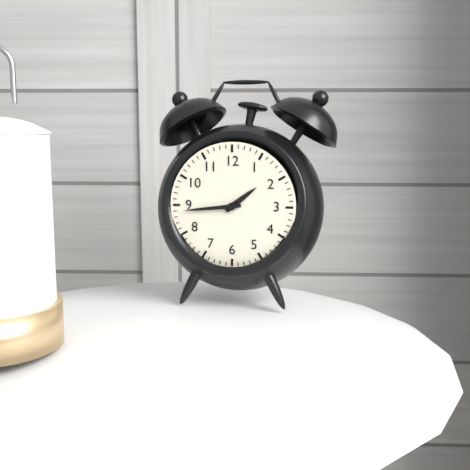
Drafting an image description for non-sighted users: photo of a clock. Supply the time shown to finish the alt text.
1:44
